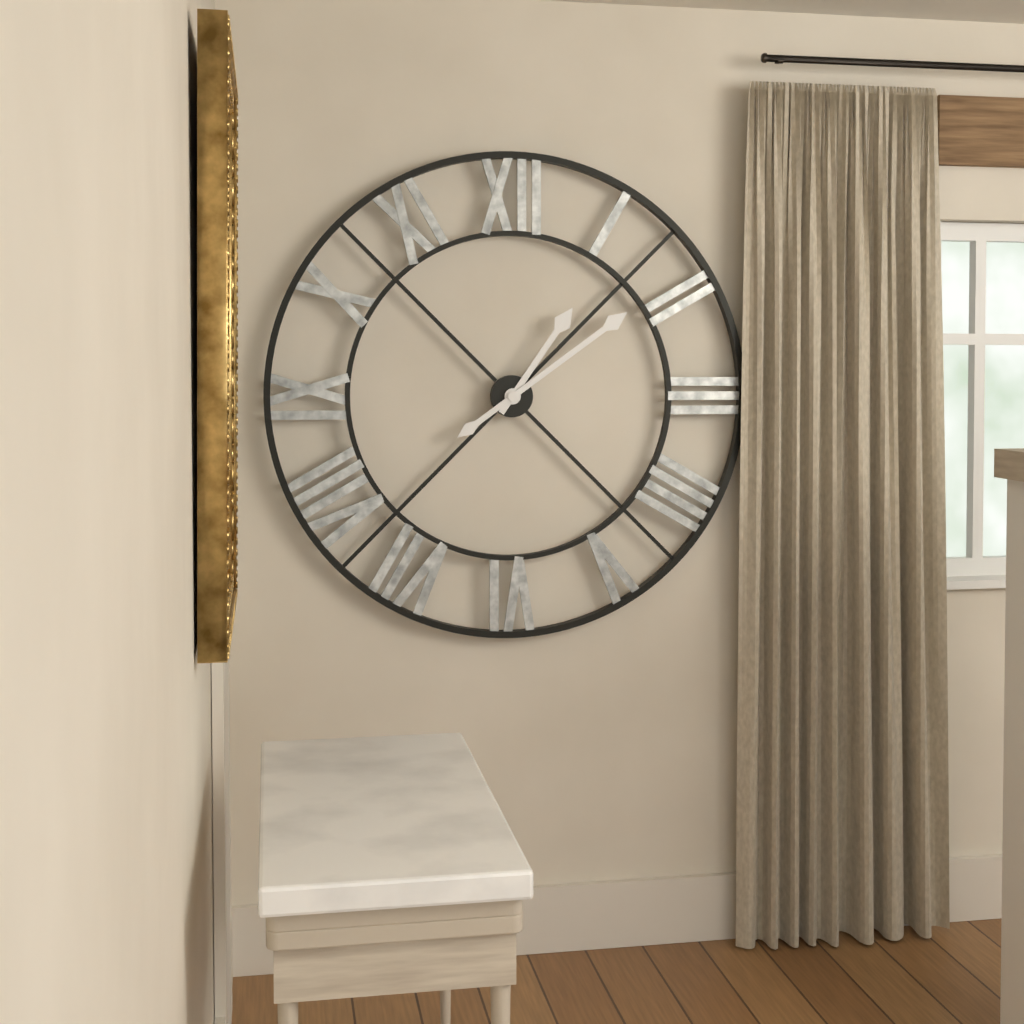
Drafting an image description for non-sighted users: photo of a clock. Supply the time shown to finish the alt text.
1:09
